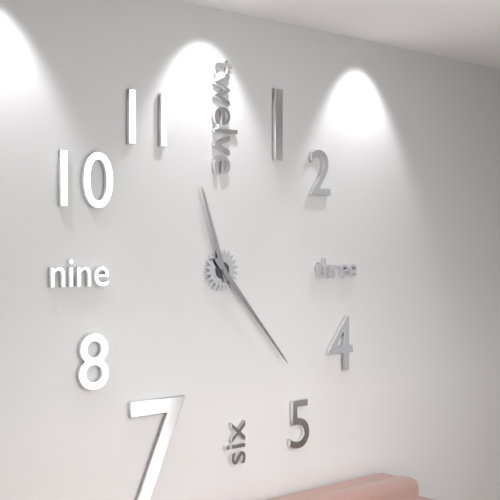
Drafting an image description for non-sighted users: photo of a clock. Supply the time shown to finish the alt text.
11:23
